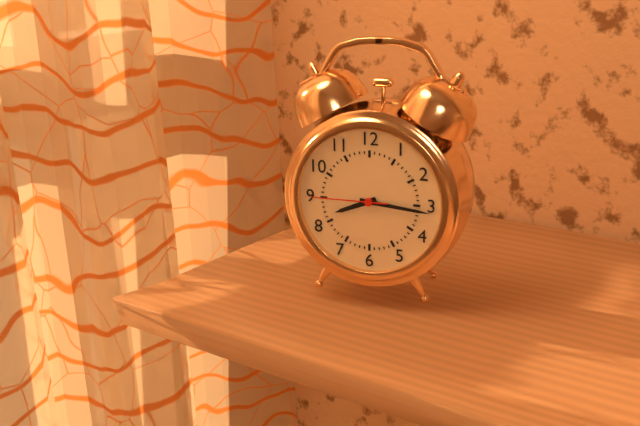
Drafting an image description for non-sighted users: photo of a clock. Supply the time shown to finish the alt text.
8:16:45
